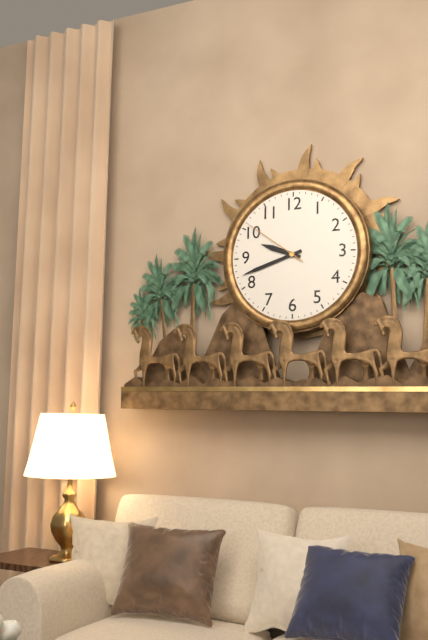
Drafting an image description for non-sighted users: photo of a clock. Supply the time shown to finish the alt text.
9:42:51
